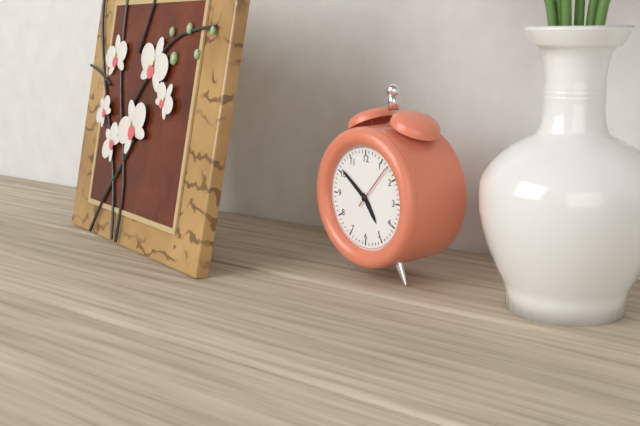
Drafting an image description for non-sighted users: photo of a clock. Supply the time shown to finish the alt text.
4:51
